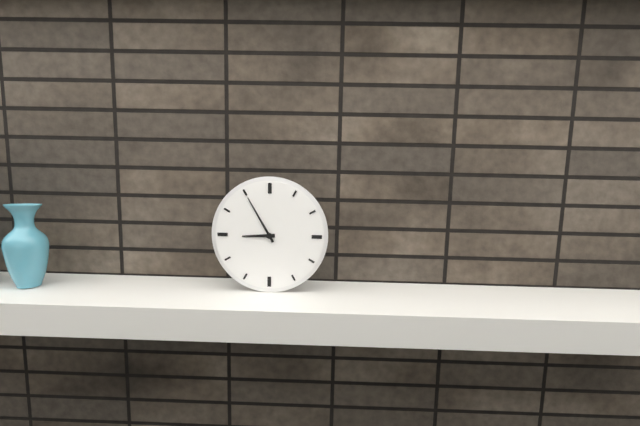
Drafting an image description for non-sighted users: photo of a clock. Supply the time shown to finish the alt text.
8:55
